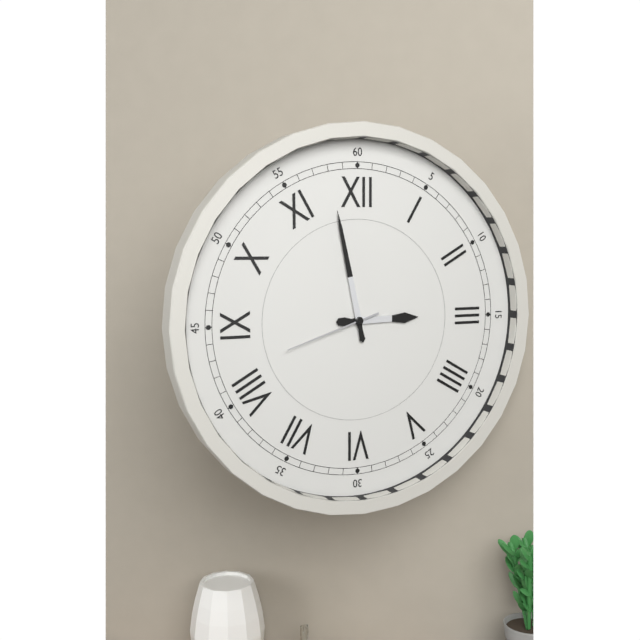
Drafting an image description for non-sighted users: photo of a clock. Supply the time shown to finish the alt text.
2:58:42
